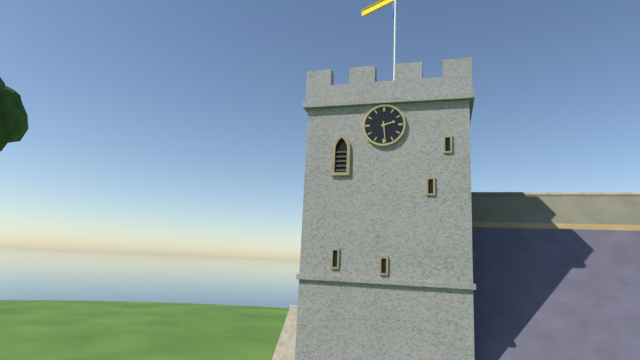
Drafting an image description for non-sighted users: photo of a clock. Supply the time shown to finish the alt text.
2:29
